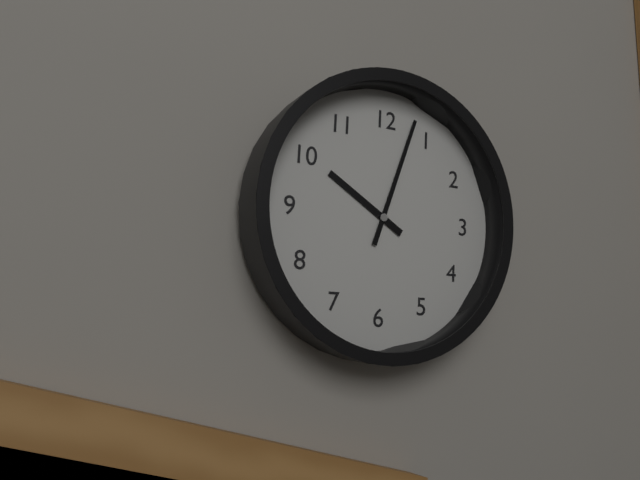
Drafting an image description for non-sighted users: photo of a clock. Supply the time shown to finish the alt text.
10:03
